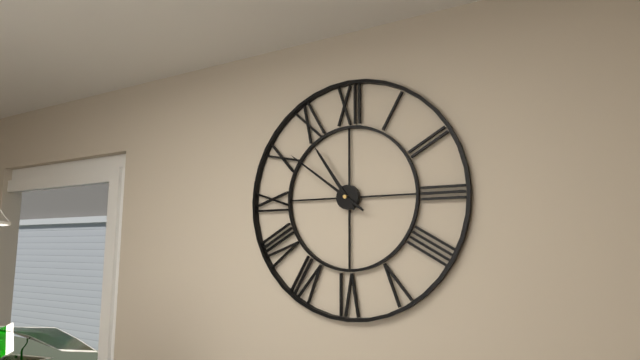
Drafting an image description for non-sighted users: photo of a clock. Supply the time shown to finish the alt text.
10:51
